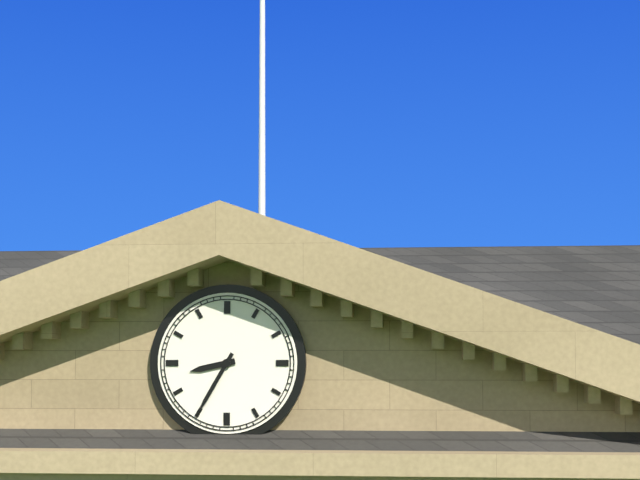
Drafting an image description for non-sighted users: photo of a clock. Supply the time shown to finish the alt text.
8:35
